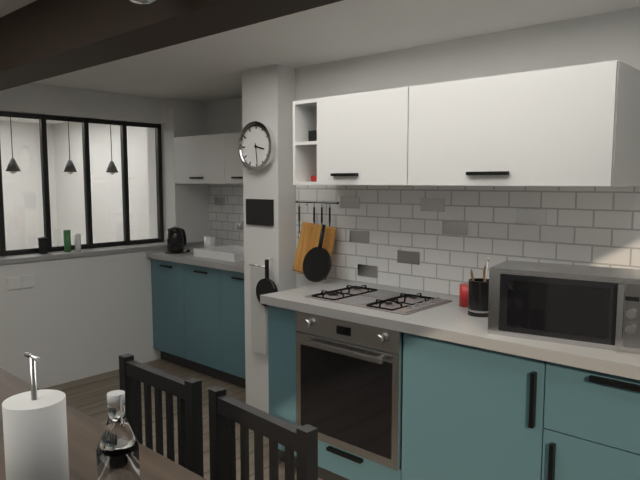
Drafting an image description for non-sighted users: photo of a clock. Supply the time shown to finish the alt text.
3:29
